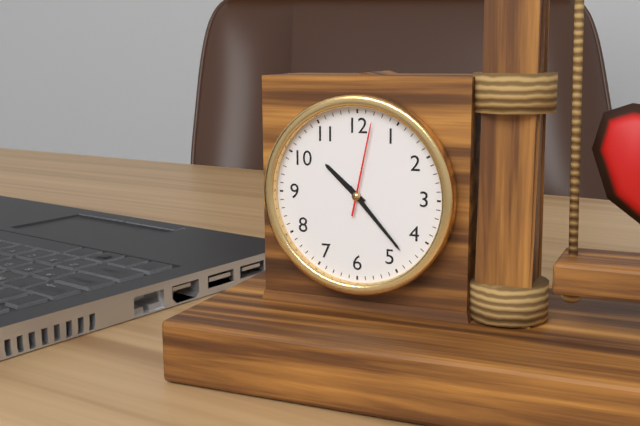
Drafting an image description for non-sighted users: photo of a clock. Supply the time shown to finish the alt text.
10:23:02
